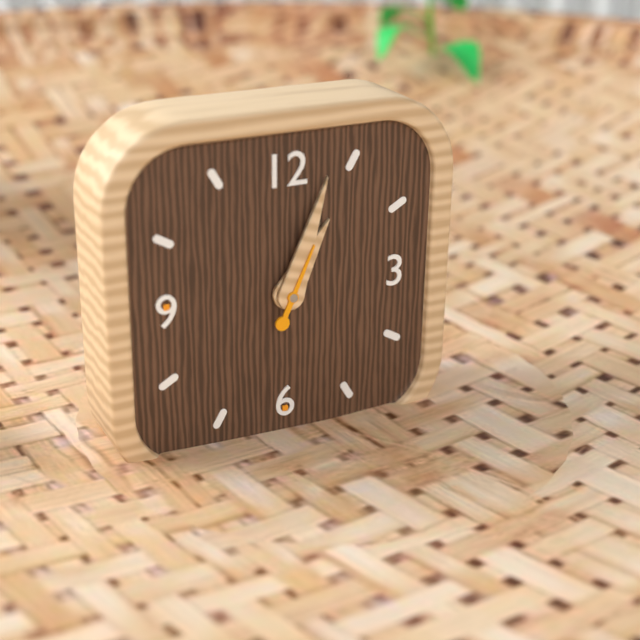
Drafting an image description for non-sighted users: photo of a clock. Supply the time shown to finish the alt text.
1:03:04
